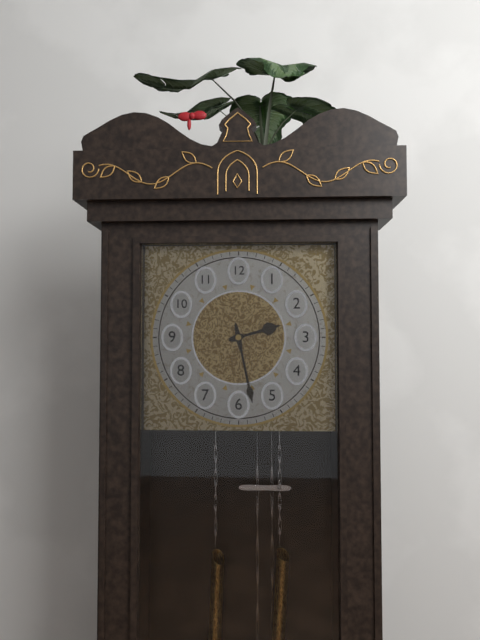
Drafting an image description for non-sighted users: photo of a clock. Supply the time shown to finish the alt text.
2:28
